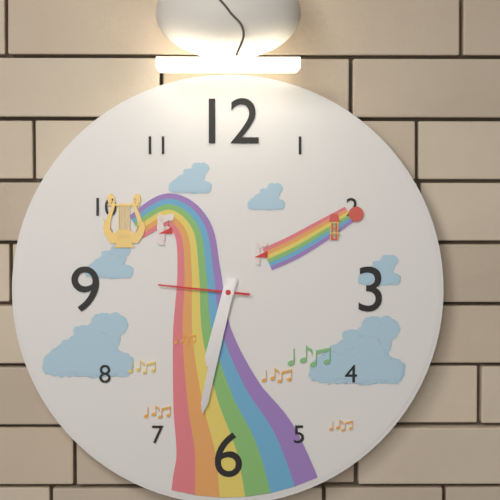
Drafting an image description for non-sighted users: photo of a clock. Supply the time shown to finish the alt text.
6:32:46
